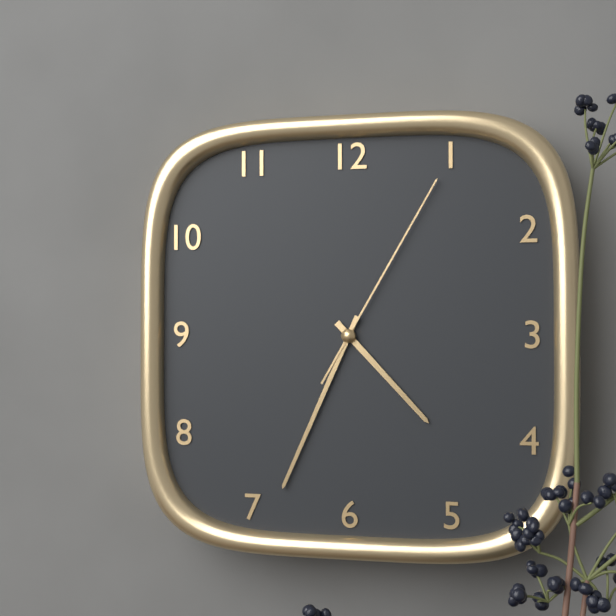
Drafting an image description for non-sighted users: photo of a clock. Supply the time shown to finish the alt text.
4:34:05
